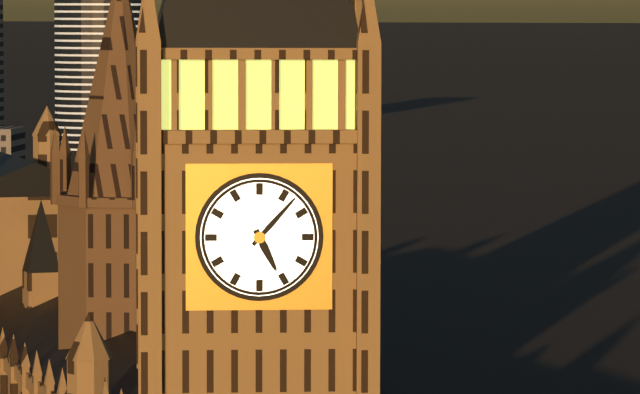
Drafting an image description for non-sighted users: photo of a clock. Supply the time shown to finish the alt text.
5:07
